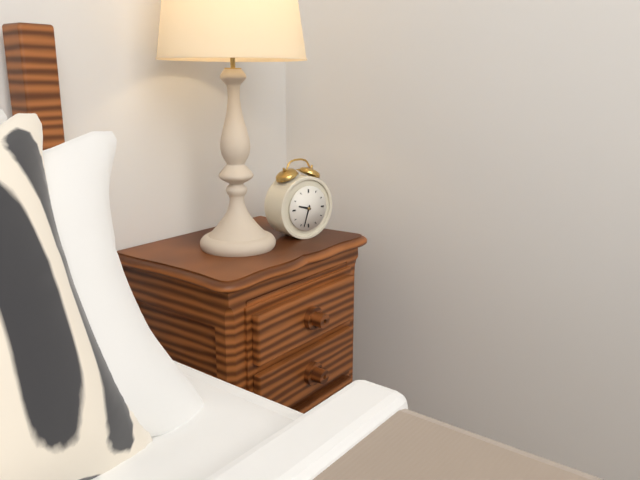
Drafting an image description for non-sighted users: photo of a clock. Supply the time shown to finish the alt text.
9:33
